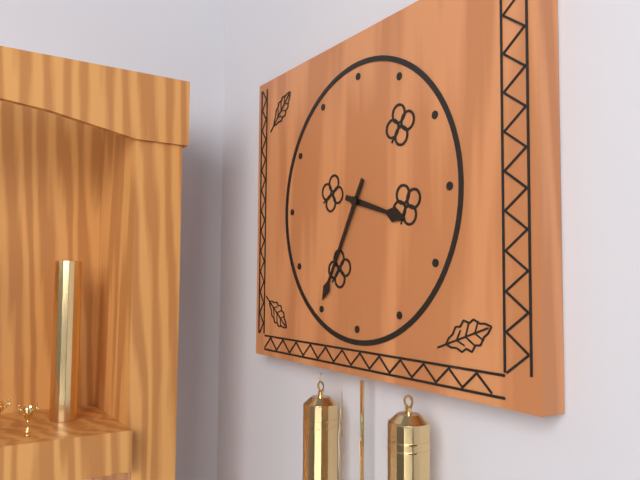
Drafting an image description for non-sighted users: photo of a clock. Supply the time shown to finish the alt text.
3:35
